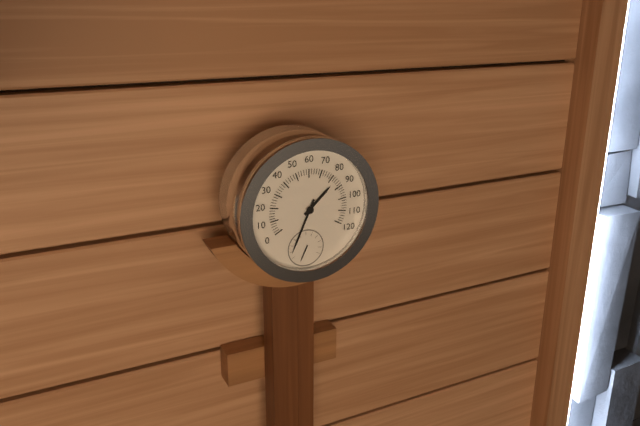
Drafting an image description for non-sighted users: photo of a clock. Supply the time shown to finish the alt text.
1:34
